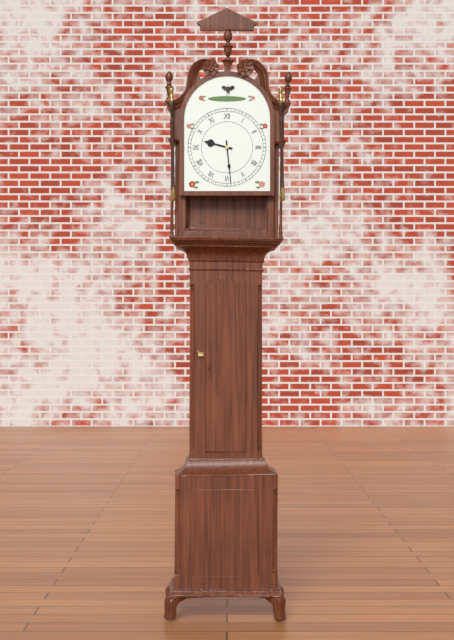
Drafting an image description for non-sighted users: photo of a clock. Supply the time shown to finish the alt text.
9:29
